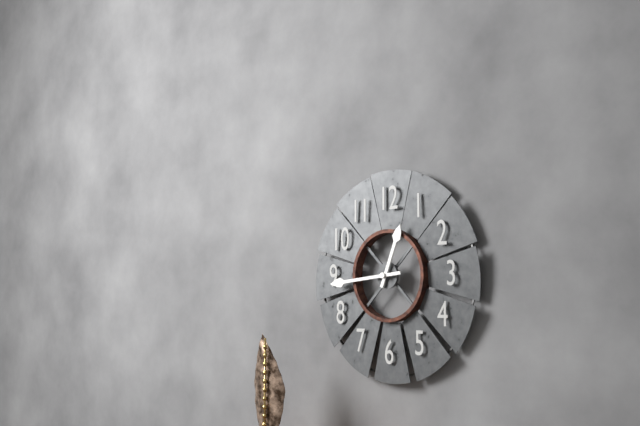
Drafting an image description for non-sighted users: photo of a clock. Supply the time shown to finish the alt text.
12:44
